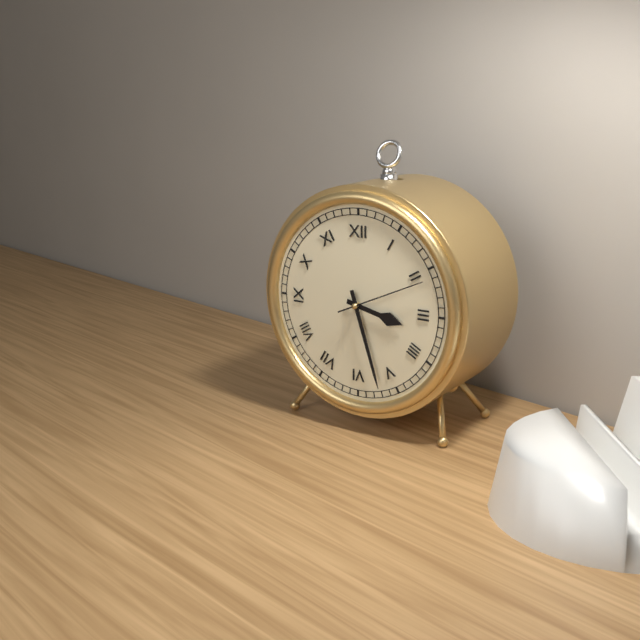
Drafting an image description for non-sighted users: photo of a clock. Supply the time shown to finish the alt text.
3:27:11
